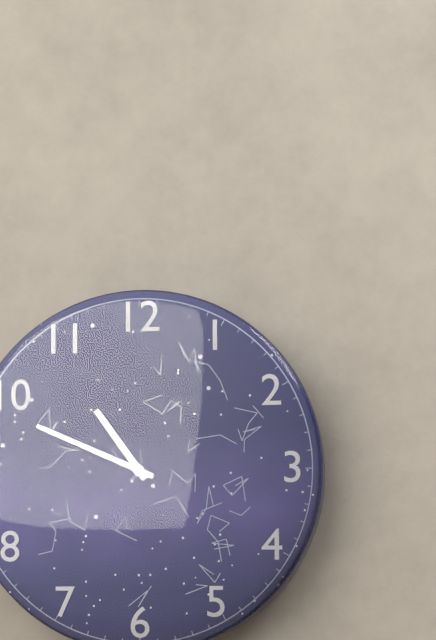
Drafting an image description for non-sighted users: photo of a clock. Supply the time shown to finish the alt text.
10:49
